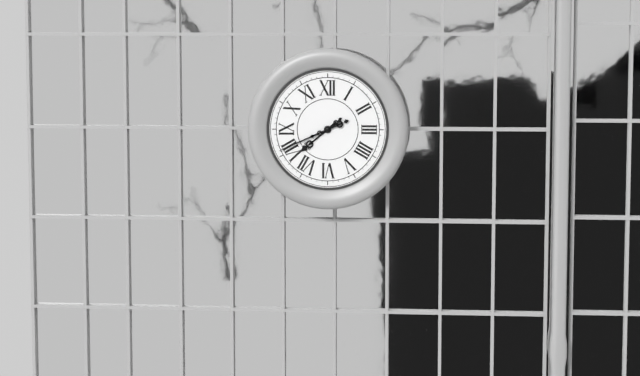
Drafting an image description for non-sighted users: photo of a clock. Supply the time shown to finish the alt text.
7:41
